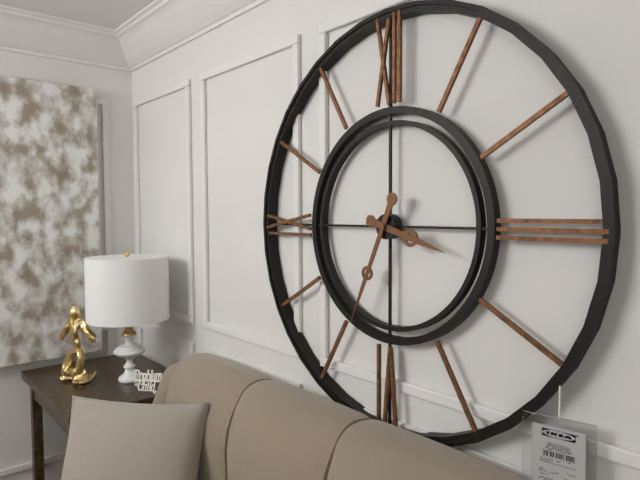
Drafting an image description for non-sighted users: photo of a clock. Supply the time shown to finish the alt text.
3:34
